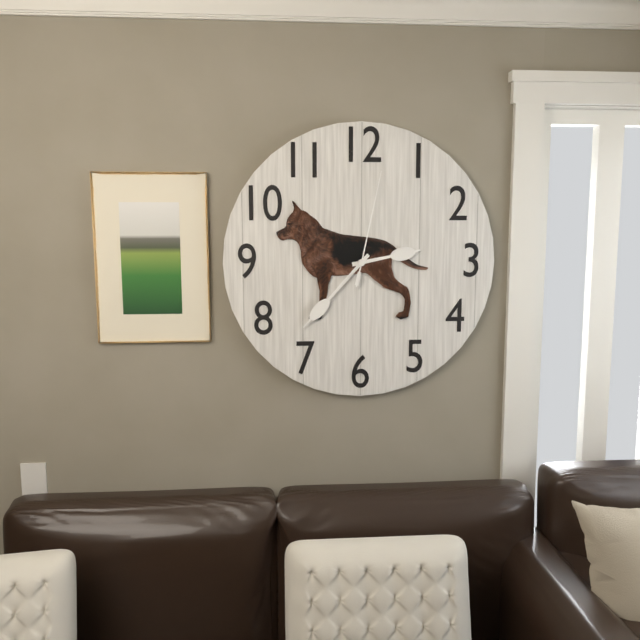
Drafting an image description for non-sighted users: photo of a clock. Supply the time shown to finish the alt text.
2:37:02
